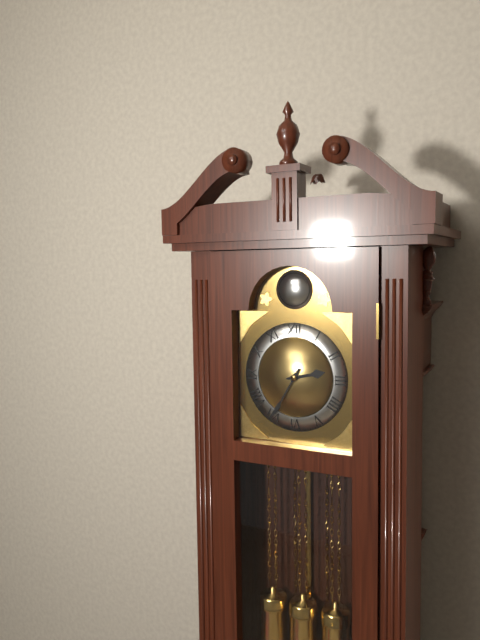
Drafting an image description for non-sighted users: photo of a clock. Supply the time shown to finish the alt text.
2:35
